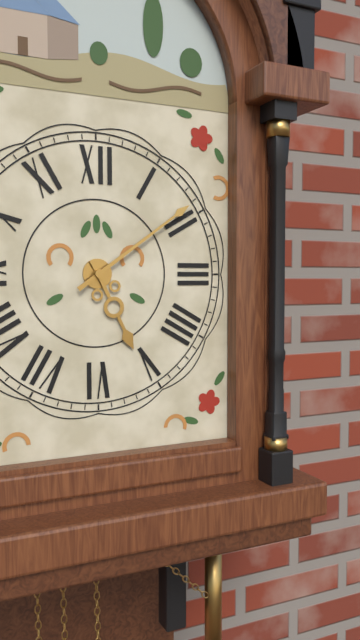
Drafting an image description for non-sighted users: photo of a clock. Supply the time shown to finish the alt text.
5:09
